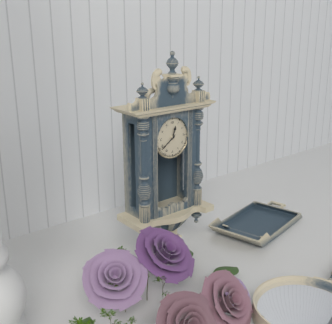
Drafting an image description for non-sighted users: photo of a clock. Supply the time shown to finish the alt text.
12:39
